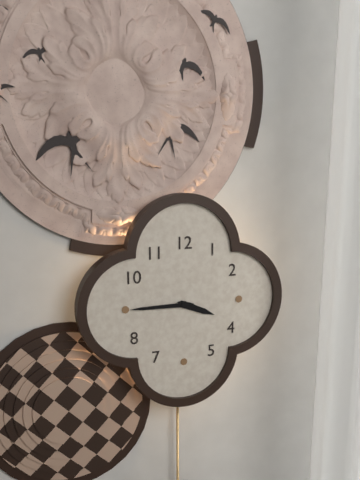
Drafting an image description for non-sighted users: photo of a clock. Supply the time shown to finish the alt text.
3:45
